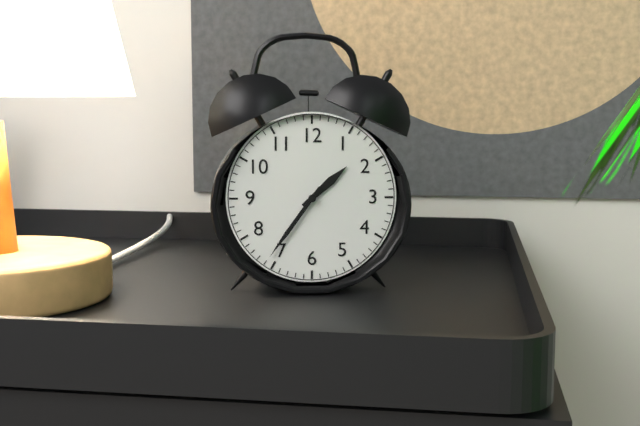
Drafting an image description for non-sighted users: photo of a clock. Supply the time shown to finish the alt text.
1:36
